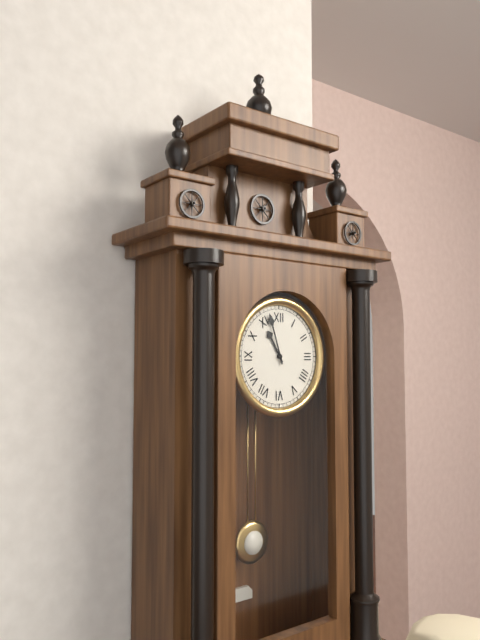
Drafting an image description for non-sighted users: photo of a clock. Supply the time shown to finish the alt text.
10:57
